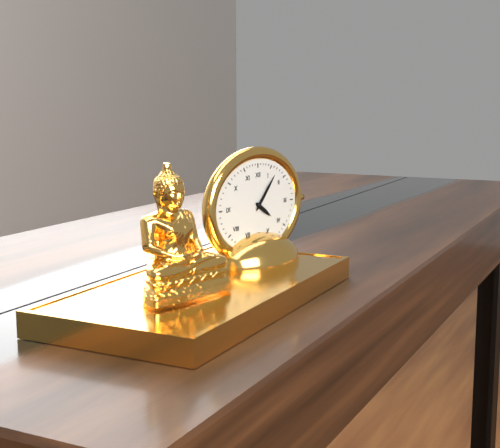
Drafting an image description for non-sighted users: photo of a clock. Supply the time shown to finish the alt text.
4:07
